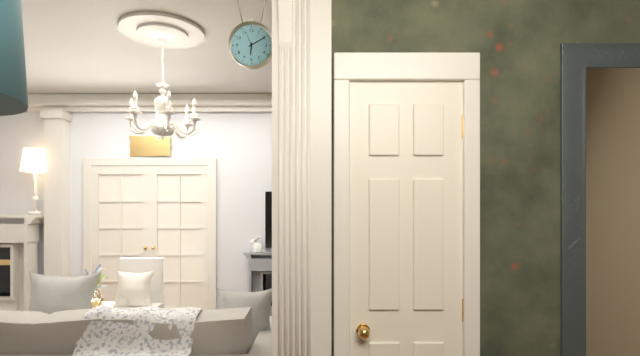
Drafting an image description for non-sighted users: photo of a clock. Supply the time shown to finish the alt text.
6:10
